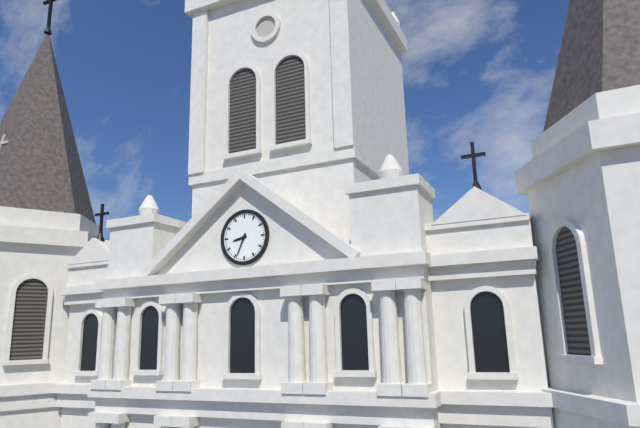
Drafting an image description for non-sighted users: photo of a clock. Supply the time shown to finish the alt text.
8:34
